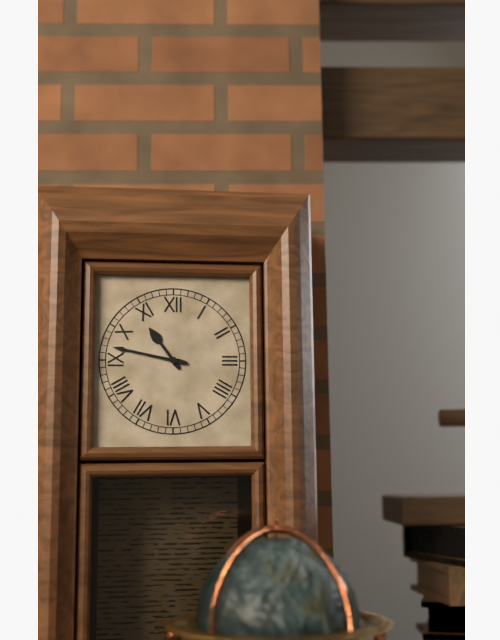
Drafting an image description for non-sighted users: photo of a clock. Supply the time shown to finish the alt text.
10:47
